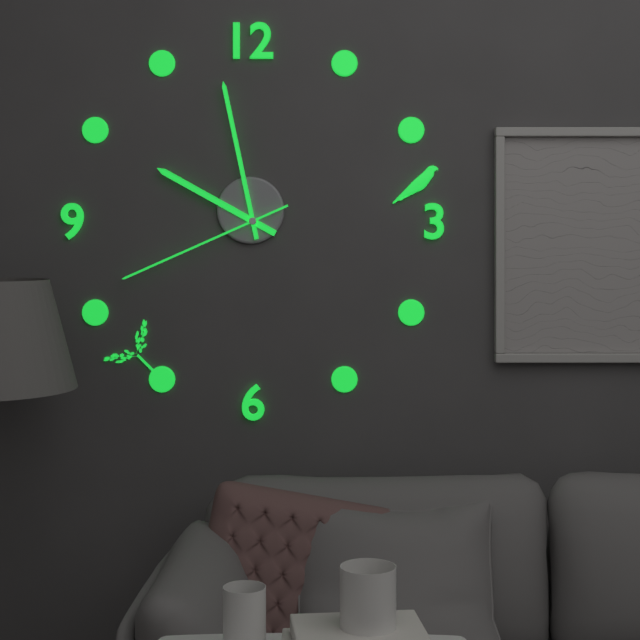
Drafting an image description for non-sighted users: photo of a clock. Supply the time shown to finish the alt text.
9:58:41
